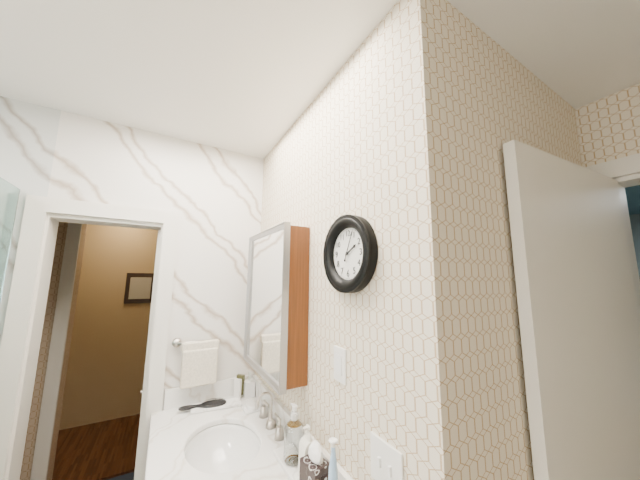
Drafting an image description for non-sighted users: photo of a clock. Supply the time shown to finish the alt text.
2:04
